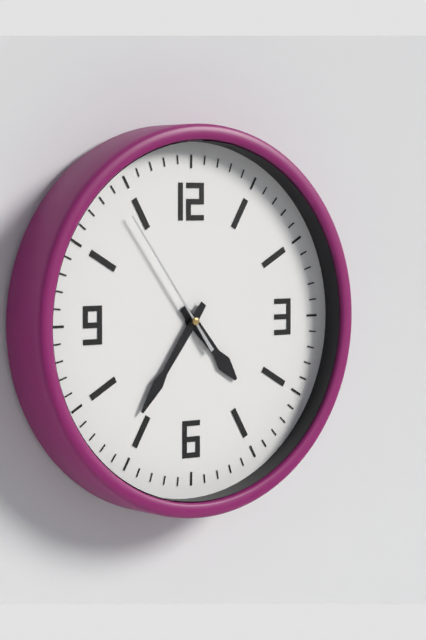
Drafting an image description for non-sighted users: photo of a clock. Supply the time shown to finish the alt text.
4:36:54
